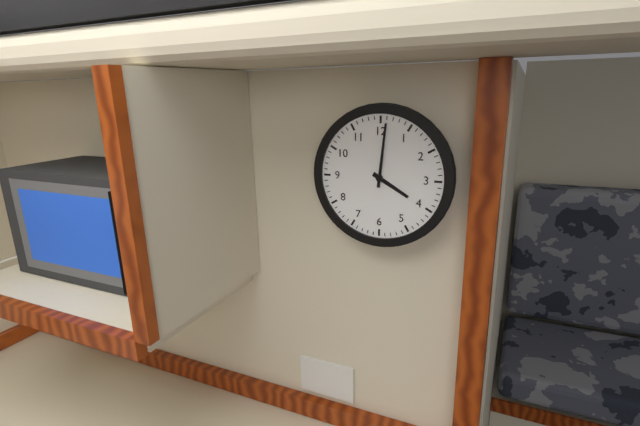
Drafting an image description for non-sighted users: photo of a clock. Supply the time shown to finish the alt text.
4:01
